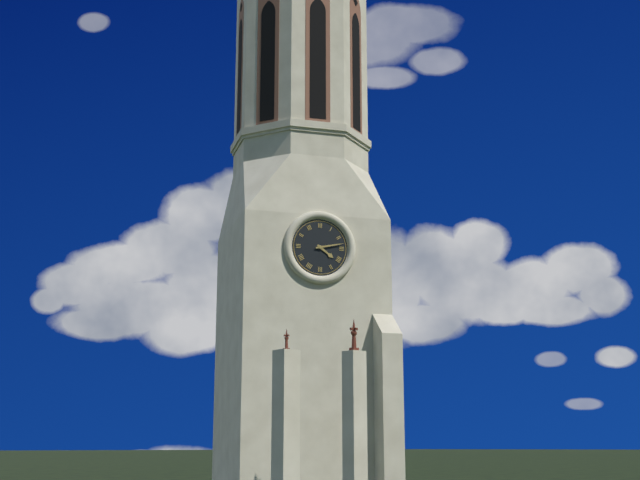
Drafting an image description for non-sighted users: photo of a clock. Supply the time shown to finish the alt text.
4:13
